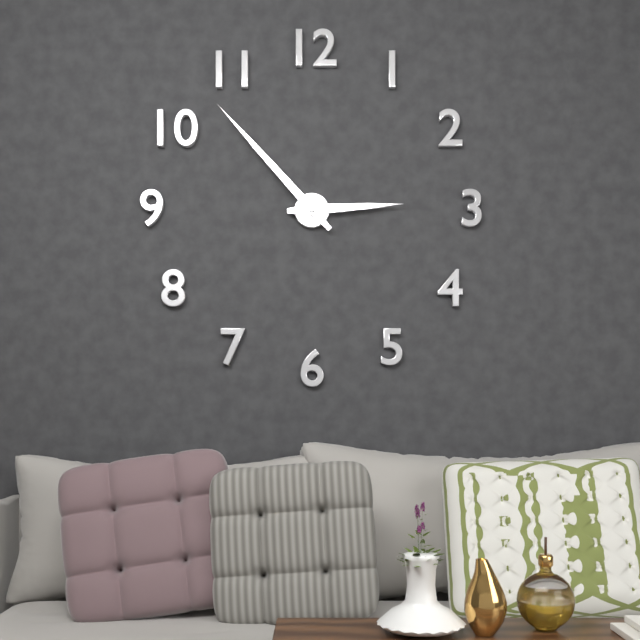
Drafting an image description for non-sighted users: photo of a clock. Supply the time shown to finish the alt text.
2:53
